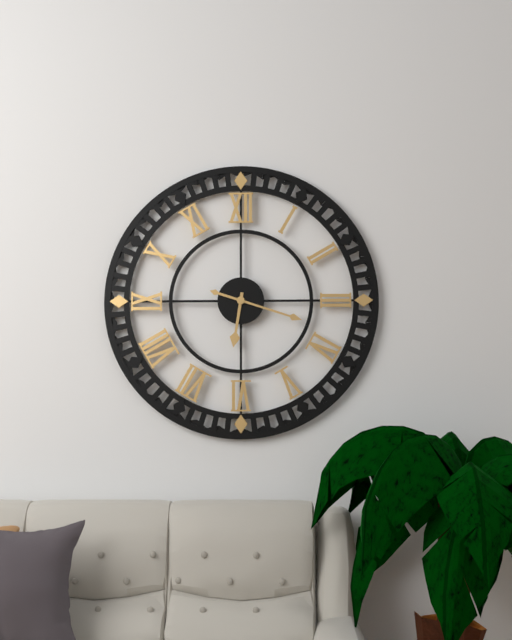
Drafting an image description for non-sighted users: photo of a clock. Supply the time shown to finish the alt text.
6:18
